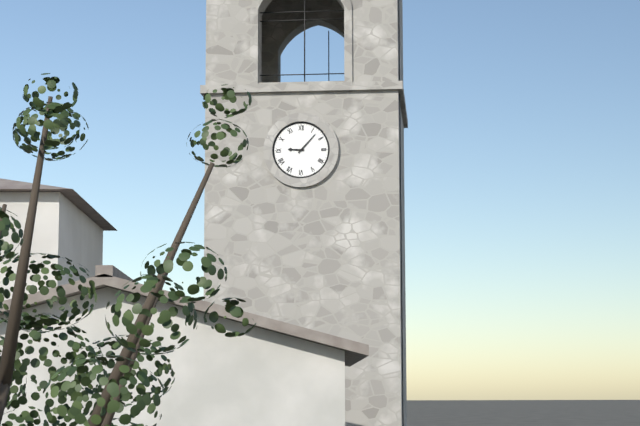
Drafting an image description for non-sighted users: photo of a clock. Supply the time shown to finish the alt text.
9:07
